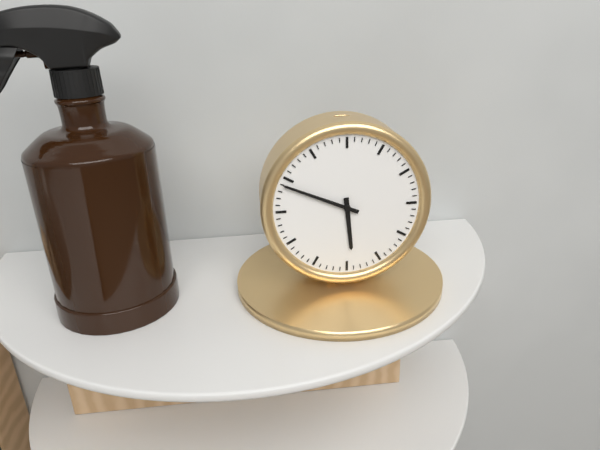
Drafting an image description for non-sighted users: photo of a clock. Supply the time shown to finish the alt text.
5:49
